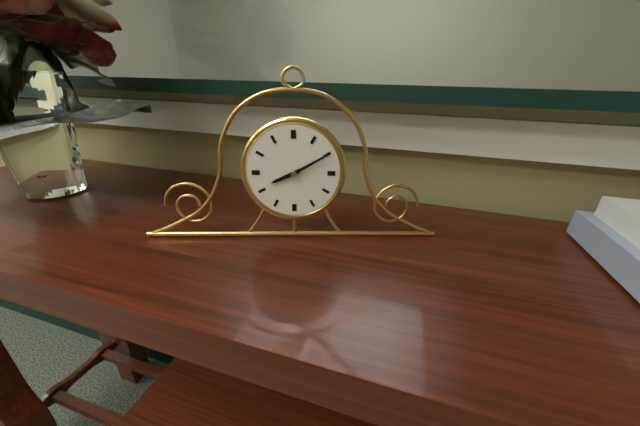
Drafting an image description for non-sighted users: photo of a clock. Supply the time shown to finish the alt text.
8:10
